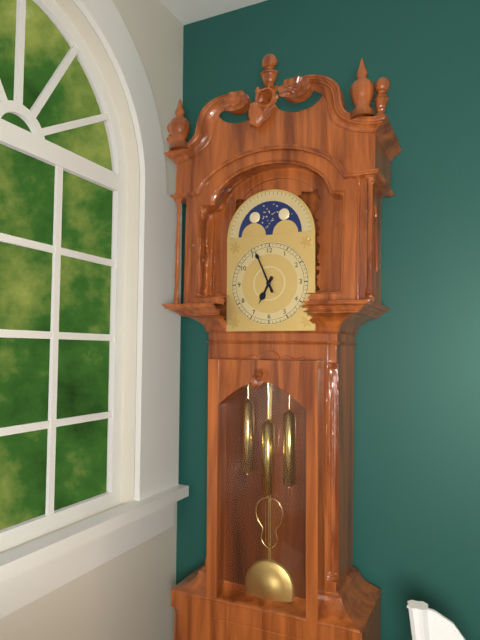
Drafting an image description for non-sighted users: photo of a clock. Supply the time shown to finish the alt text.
6:56
